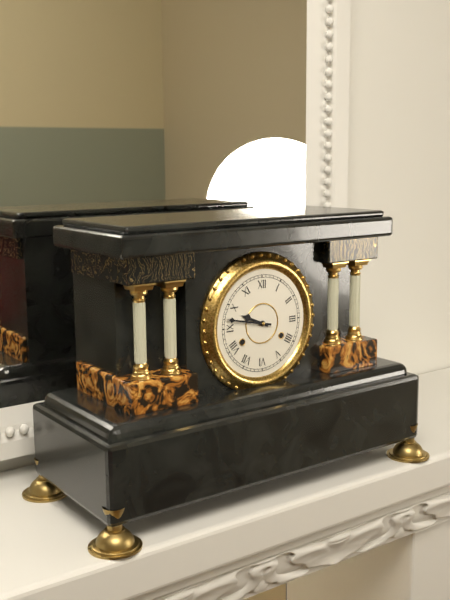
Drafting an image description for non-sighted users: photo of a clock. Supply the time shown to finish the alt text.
9:47
